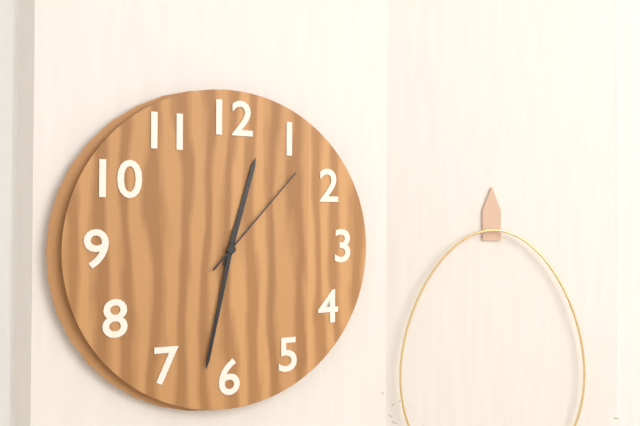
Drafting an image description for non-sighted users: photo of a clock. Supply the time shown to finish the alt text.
12:32:07
